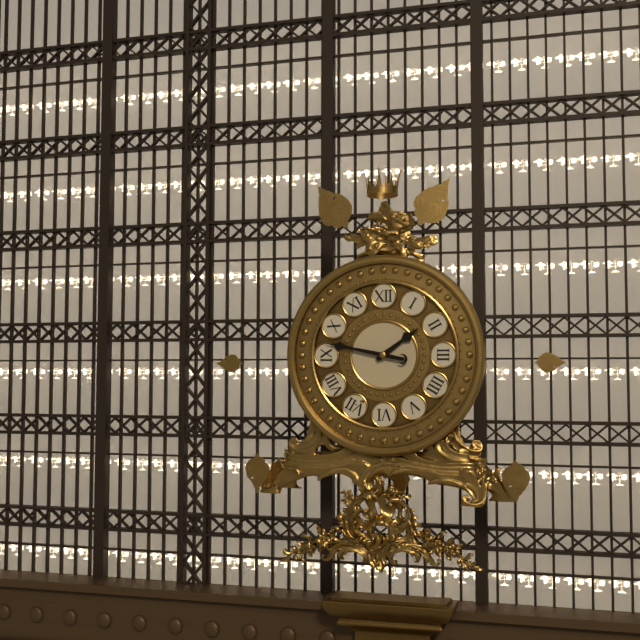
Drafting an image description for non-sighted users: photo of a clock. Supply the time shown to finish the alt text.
1:47
